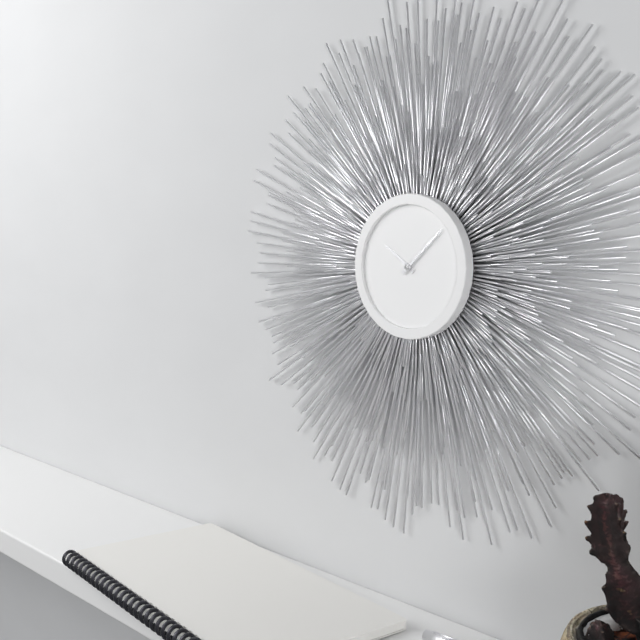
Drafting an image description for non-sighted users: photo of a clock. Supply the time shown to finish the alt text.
10:08
